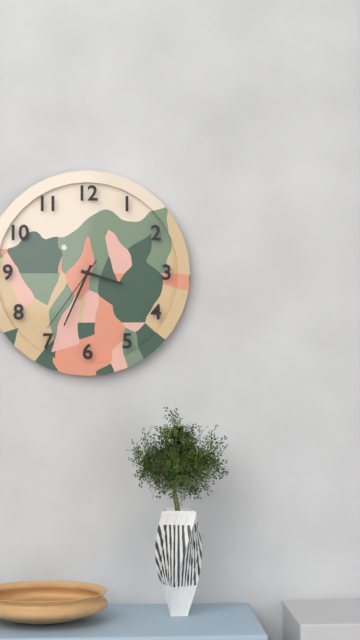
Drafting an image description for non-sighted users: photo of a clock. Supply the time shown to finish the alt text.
3:34:36
